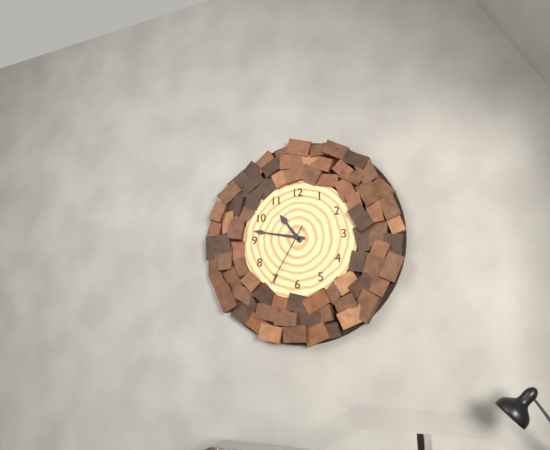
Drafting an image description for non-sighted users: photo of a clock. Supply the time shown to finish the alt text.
10:47:35
